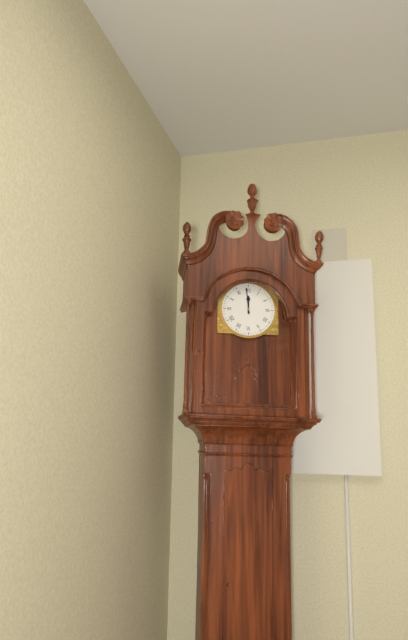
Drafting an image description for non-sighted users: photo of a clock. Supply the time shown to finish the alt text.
11:59
